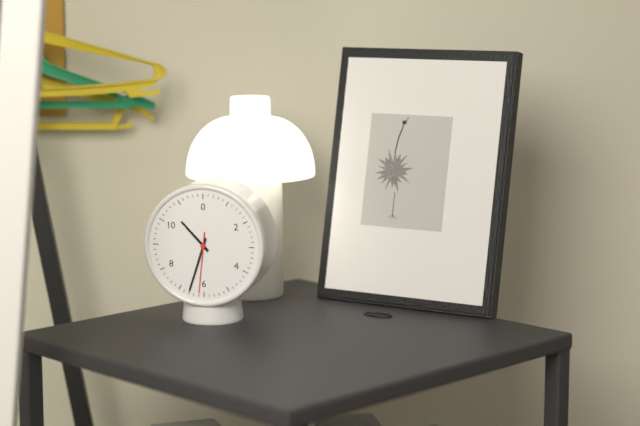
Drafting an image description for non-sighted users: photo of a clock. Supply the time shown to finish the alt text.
10:33:31
